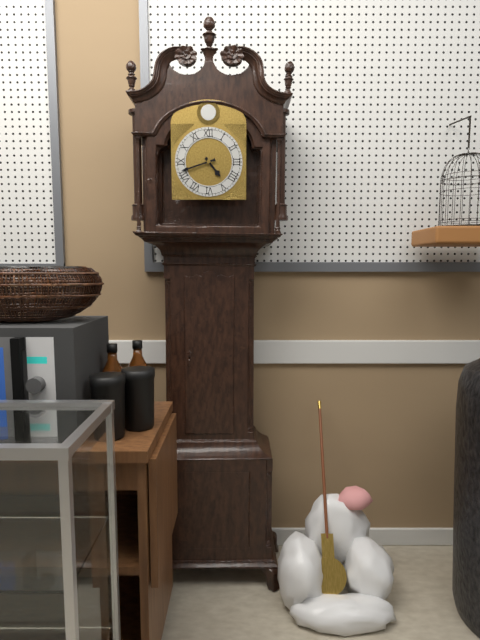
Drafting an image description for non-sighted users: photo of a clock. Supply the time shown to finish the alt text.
4:42
